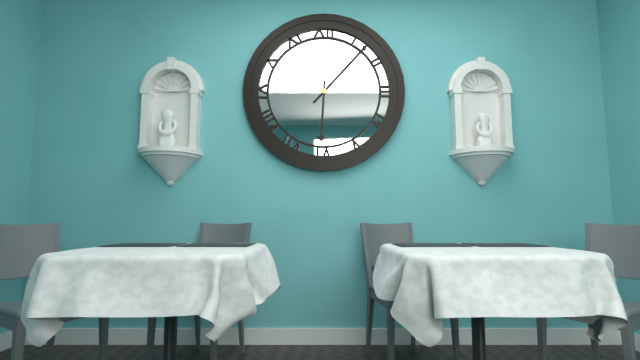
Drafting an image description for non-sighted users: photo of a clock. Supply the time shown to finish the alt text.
6:07
